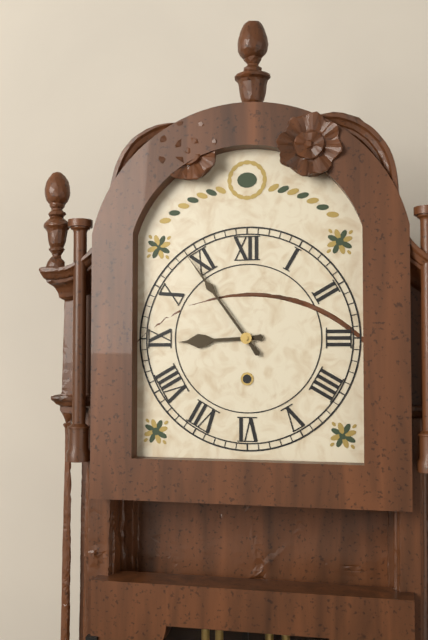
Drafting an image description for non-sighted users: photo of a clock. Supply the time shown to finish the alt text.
8:54
